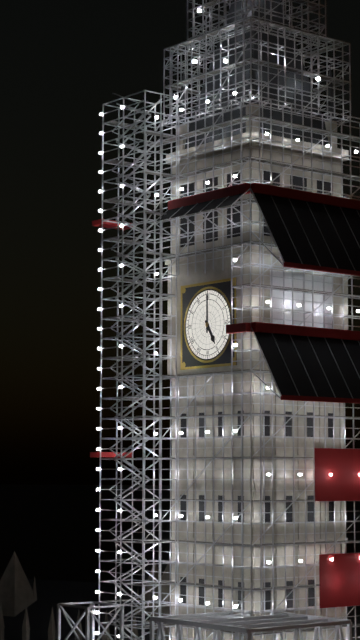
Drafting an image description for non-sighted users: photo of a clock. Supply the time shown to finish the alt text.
5:00
